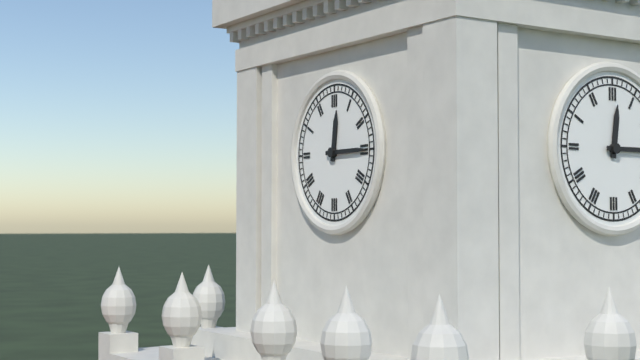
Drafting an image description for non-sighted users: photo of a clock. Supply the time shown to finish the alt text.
12:15
